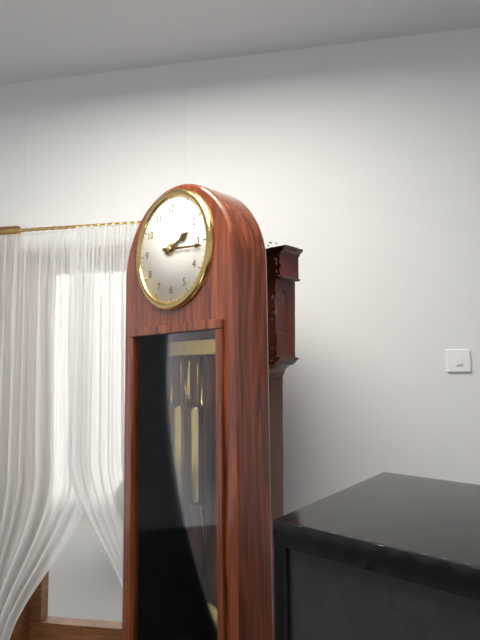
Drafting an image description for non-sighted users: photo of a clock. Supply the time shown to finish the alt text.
2:16
